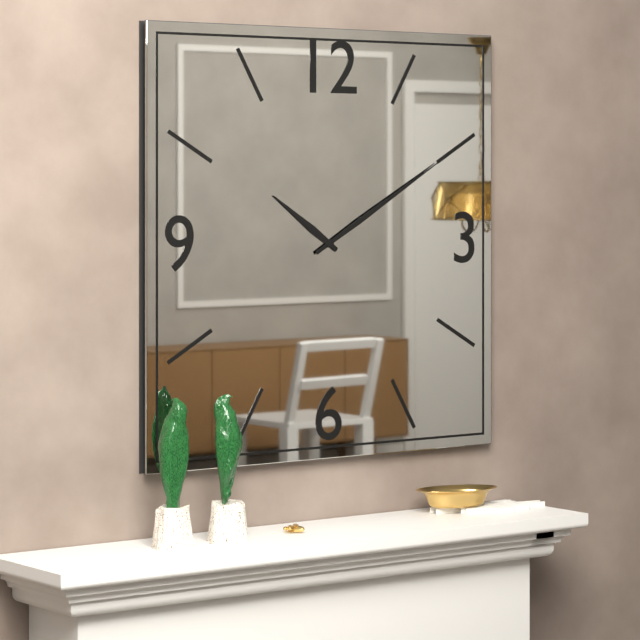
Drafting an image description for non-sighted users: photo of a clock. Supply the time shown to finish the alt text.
10:10
